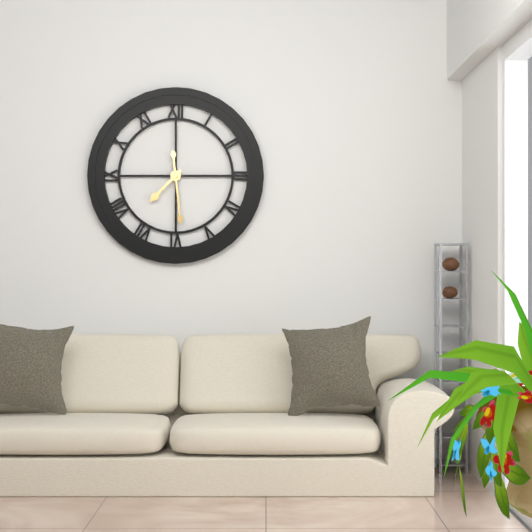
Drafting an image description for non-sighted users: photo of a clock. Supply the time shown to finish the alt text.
7:29
